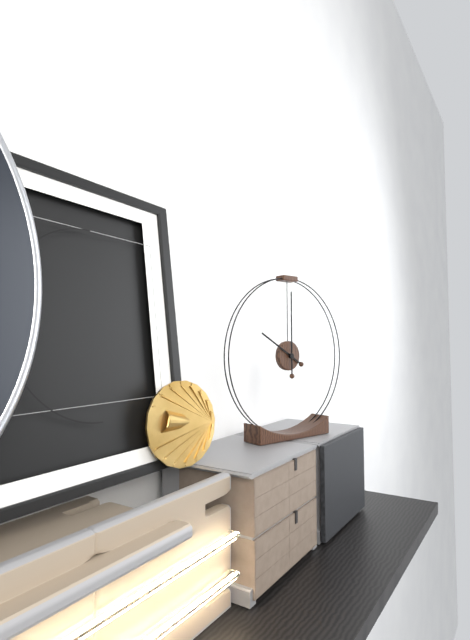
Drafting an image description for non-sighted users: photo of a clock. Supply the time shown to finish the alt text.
10:00
